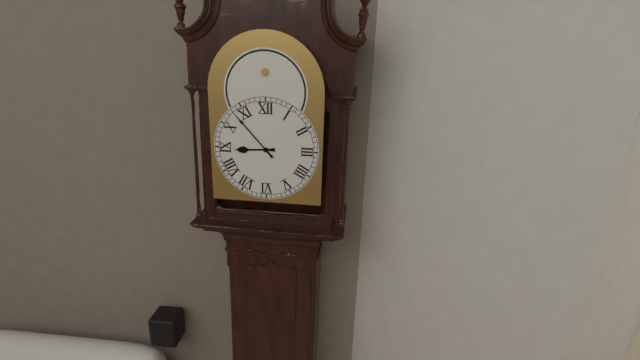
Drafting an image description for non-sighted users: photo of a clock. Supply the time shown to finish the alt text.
8:53
